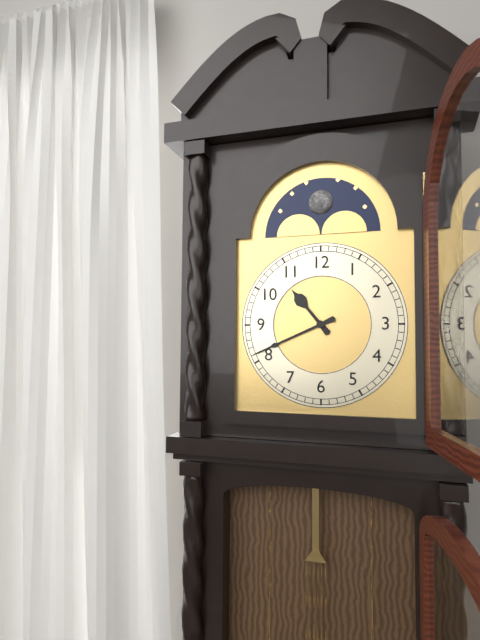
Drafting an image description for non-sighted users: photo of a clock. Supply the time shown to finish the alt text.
10:41
